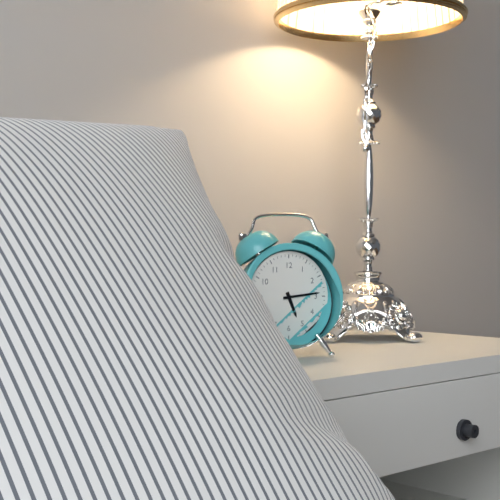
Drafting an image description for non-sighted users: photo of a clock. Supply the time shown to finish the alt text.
5:14
